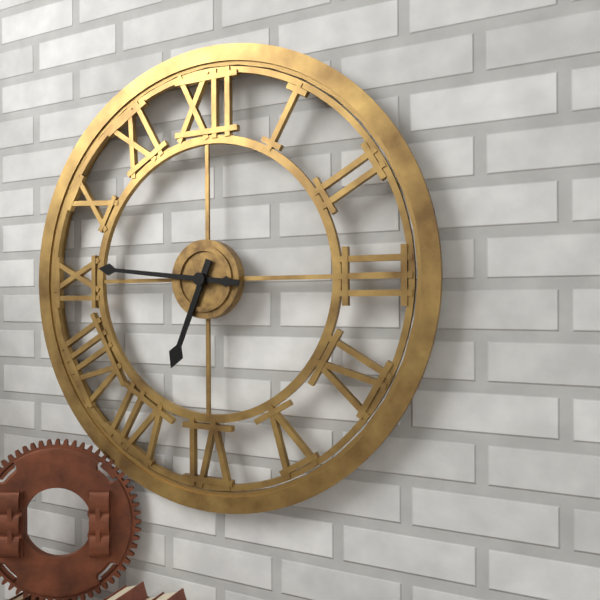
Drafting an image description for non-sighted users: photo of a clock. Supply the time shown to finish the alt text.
6:46
